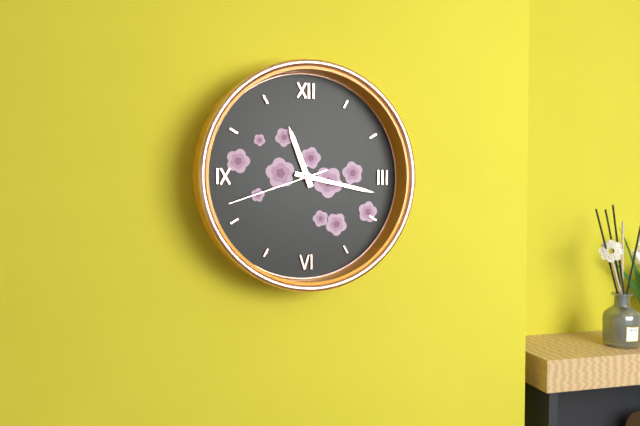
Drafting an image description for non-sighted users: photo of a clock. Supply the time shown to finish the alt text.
11:17:42
